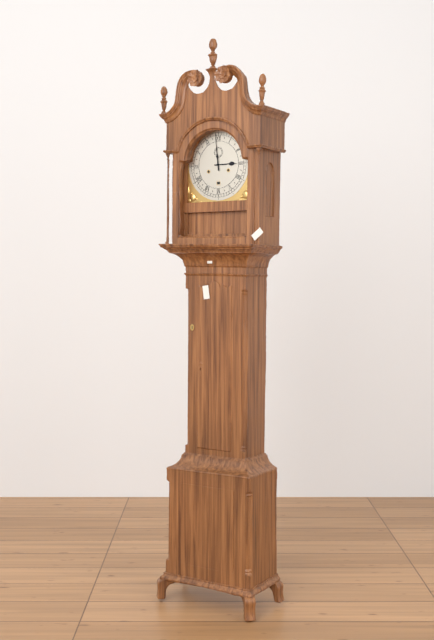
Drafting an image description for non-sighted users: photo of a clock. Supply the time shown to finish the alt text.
2:59
